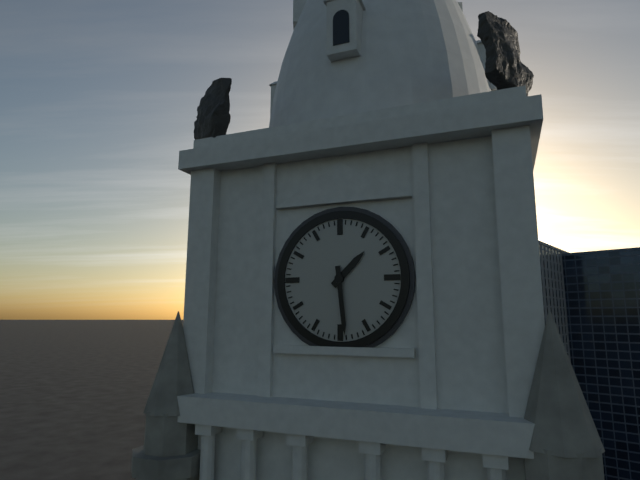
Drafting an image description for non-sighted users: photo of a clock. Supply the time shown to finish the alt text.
1:29
